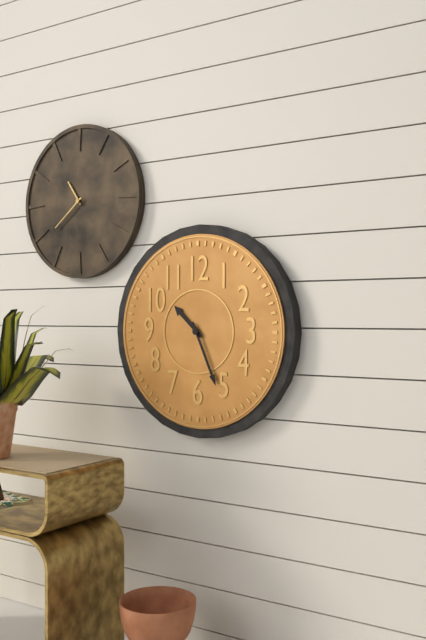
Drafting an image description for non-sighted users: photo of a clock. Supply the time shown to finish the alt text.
10:26
